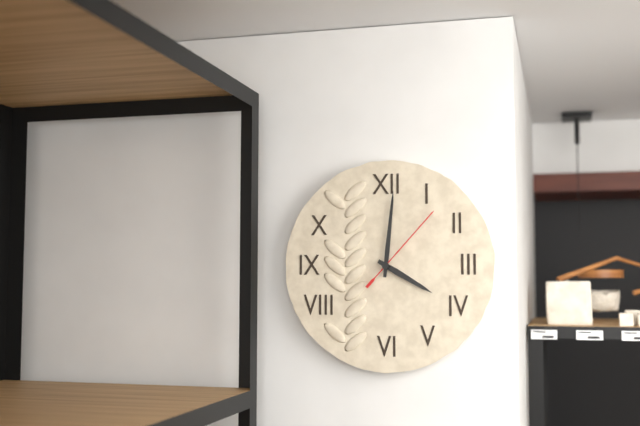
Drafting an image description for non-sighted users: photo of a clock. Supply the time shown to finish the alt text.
4:01:07
